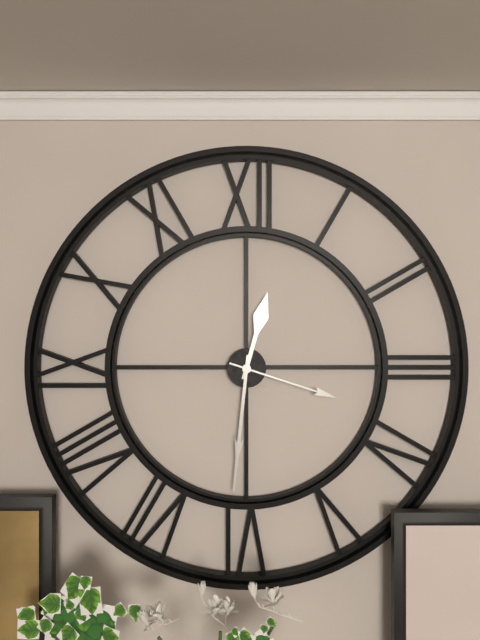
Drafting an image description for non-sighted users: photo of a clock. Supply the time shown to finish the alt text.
12:31:18
